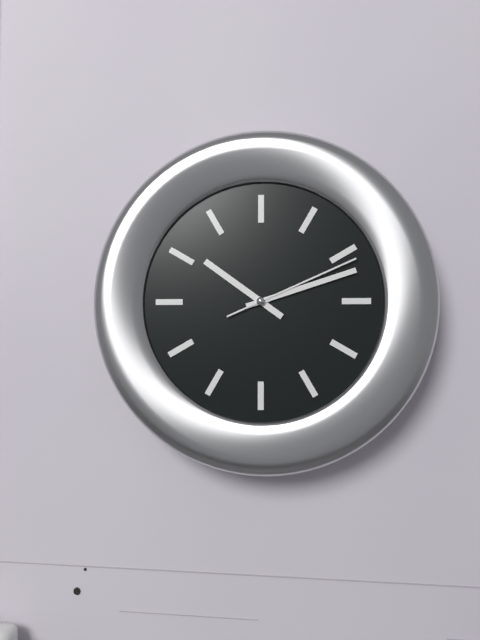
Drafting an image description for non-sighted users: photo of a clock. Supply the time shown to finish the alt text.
10:12:11
